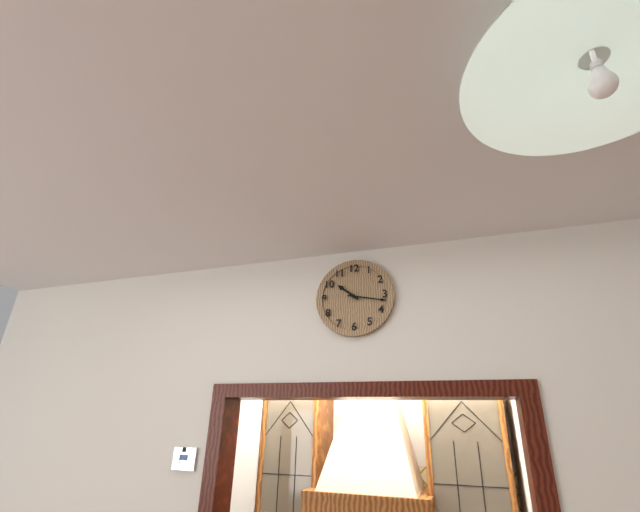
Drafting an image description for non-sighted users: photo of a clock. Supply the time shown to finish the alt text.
10:17
